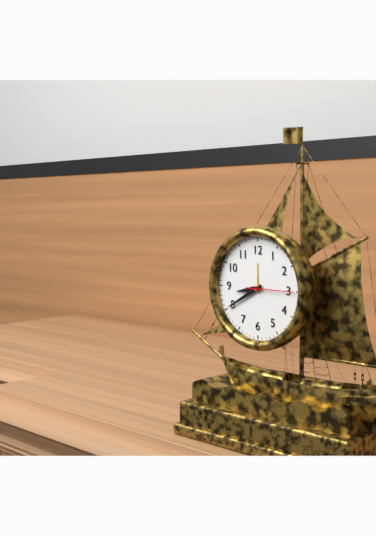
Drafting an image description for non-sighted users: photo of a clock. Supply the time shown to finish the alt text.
8:40
